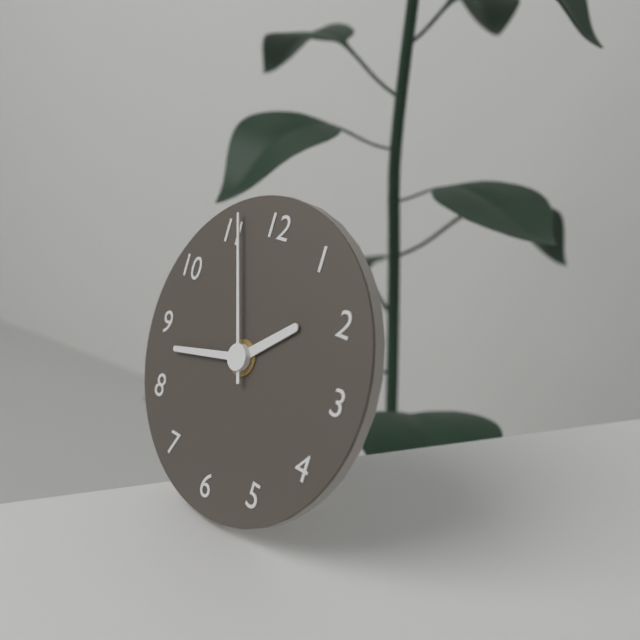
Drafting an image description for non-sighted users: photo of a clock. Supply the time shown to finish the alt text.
1:43:56
